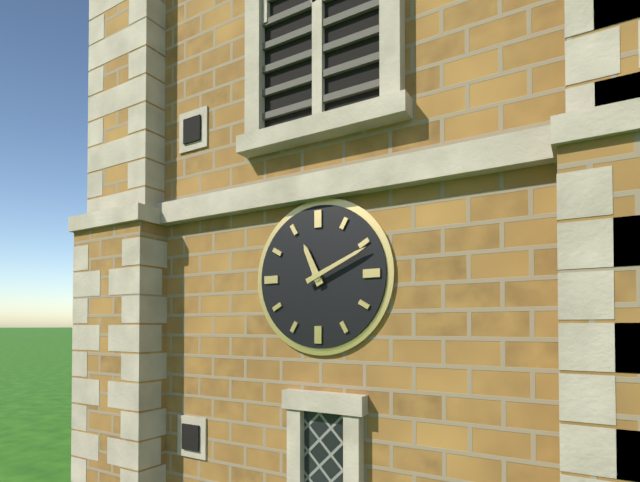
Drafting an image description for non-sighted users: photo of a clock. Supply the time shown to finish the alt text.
11:11
